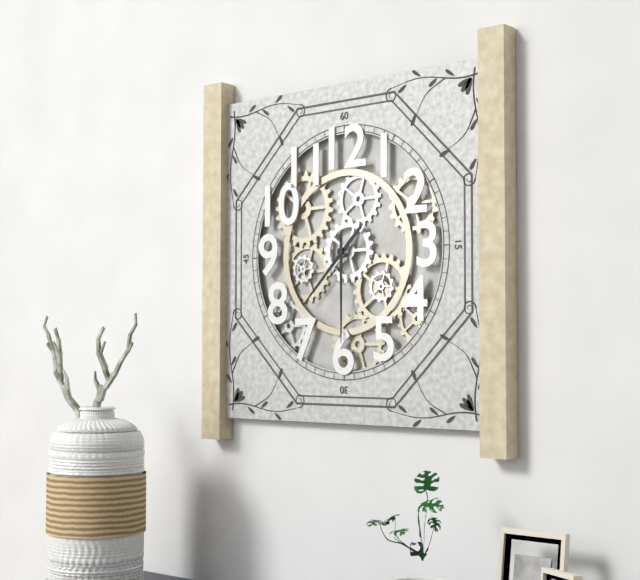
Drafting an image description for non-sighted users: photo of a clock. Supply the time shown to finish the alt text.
7:30
